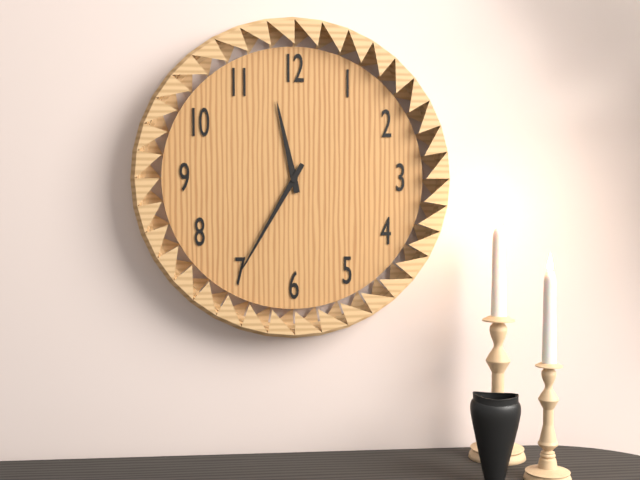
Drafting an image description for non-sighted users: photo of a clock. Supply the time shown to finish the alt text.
11:35
